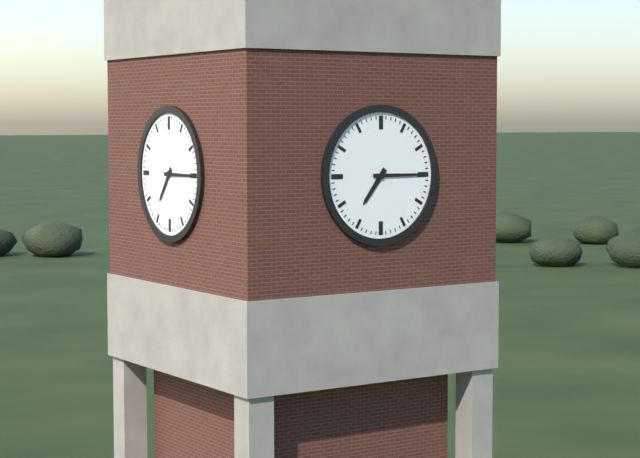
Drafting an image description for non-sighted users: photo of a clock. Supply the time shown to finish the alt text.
7:15
